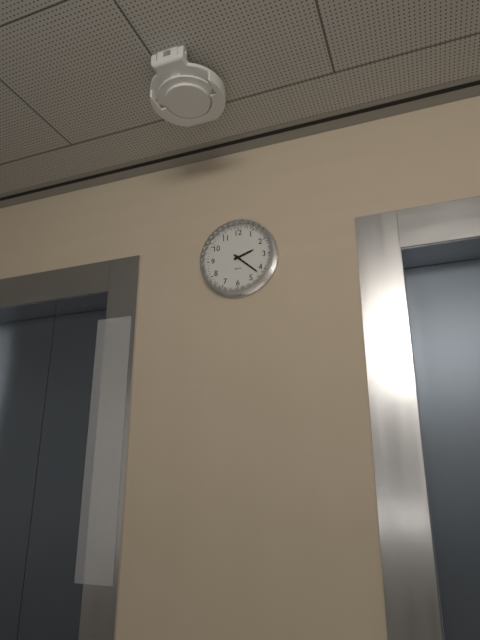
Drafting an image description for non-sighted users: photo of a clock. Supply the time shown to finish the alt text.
2:22
